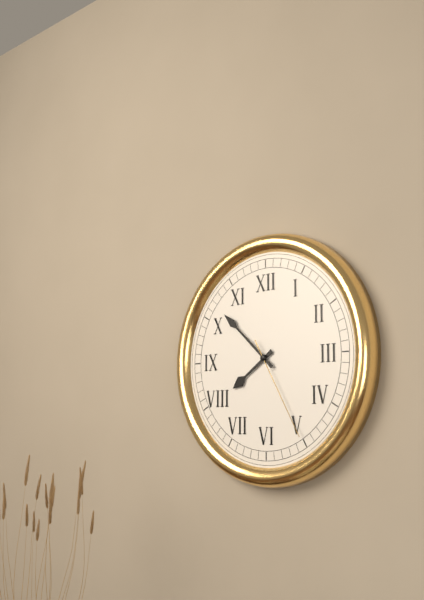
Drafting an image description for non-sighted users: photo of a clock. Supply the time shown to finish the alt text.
7:52:25
